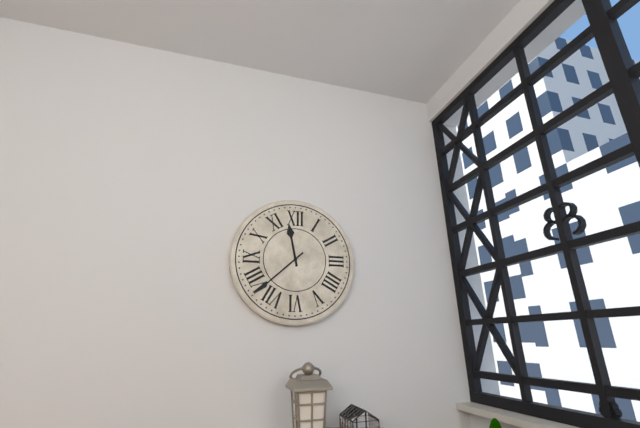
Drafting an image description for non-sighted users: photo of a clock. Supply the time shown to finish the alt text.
11:38
